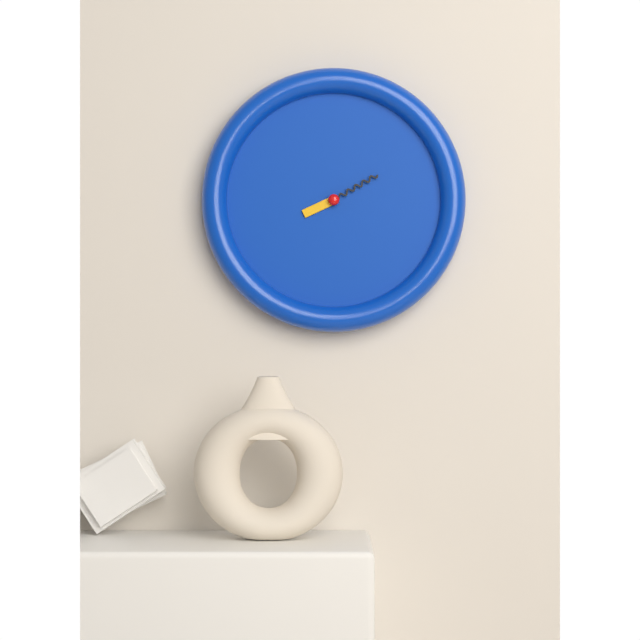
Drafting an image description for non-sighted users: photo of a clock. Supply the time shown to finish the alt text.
8:10
